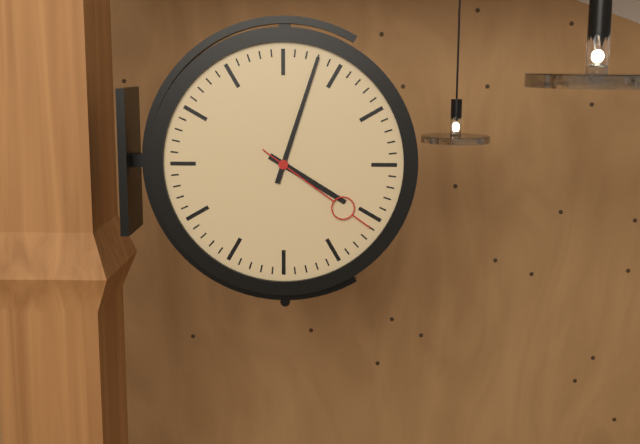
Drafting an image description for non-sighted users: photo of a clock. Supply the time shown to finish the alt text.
4:03:21
